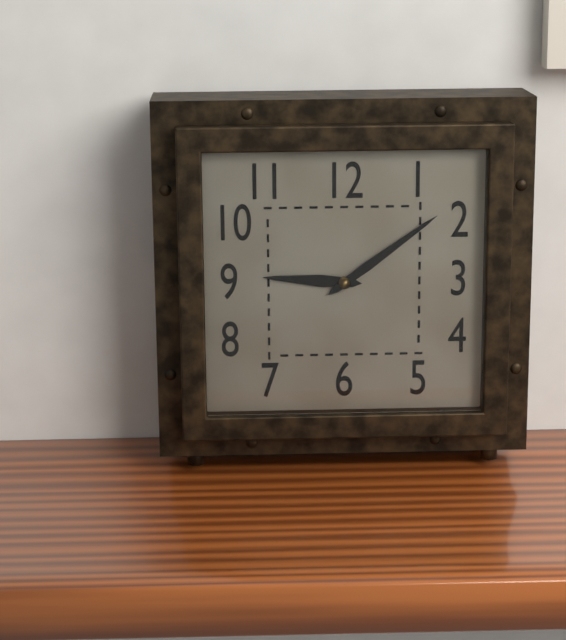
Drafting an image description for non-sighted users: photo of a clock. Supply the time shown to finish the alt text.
9:09
